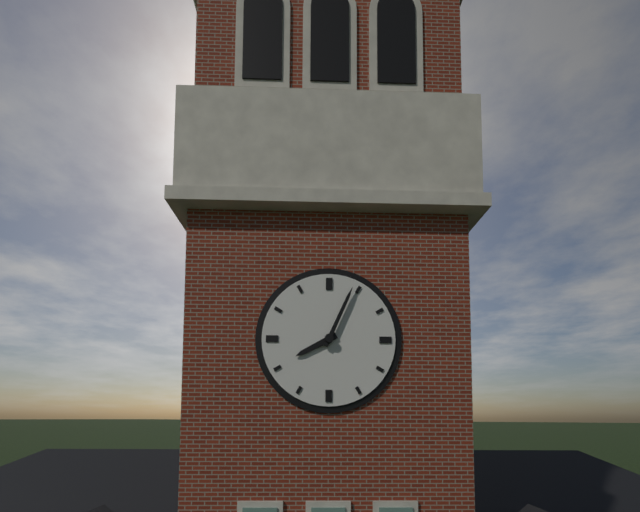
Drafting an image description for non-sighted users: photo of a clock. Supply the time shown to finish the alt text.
8:04
